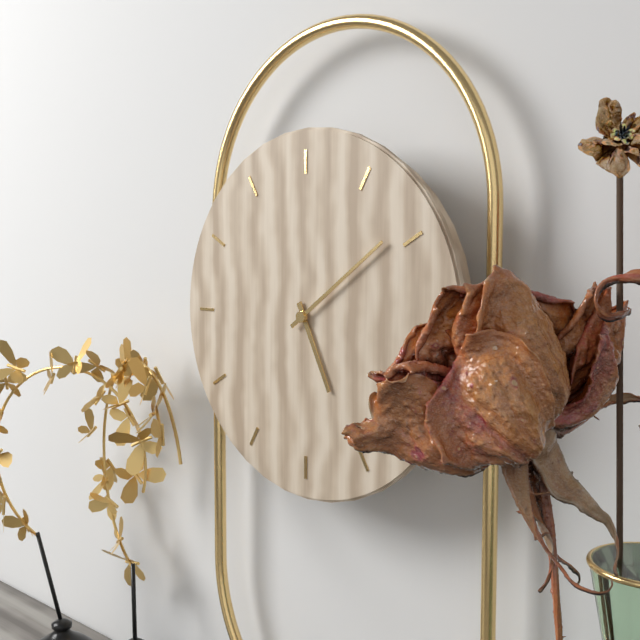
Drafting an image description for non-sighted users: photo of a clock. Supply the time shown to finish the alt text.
5:09
